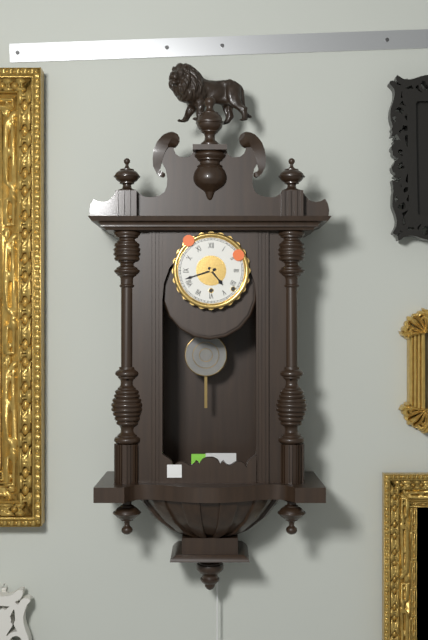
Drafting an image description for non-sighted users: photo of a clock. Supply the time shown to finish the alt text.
4:42
